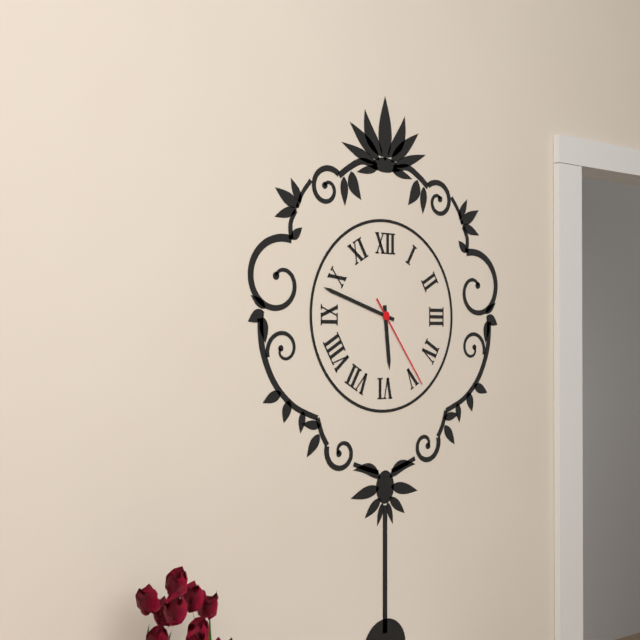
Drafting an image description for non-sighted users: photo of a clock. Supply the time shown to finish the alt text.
5:48:24
